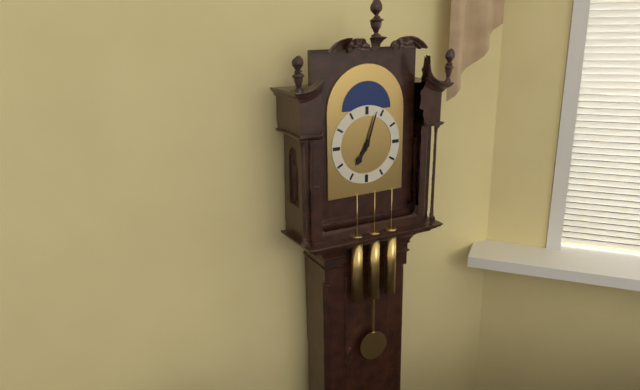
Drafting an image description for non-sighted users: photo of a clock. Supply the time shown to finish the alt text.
7:03
